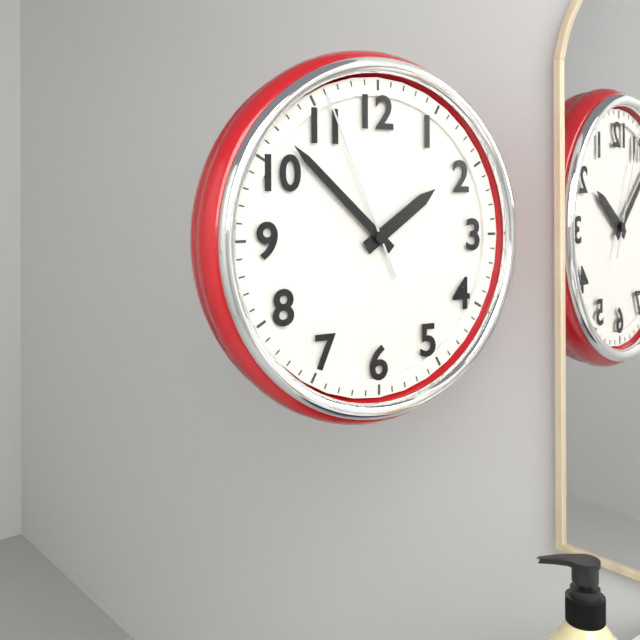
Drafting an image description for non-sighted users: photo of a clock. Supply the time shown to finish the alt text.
1:52:56
